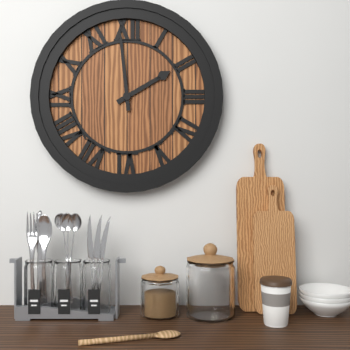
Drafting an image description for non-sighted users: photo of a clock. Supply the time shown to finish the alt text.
1:59
